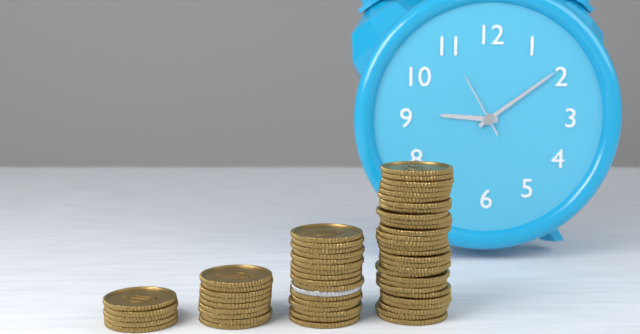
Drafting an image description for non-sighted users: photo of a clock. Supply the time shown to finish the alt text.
9:09:55
